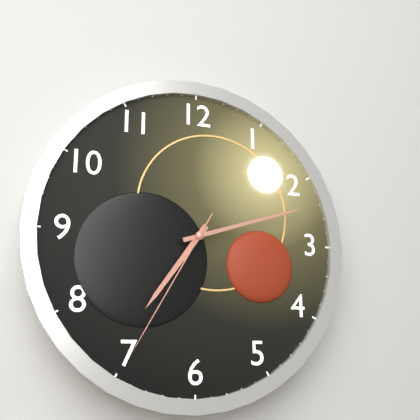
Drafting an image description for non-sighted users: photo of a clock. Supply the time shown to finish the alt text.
7:12:35
